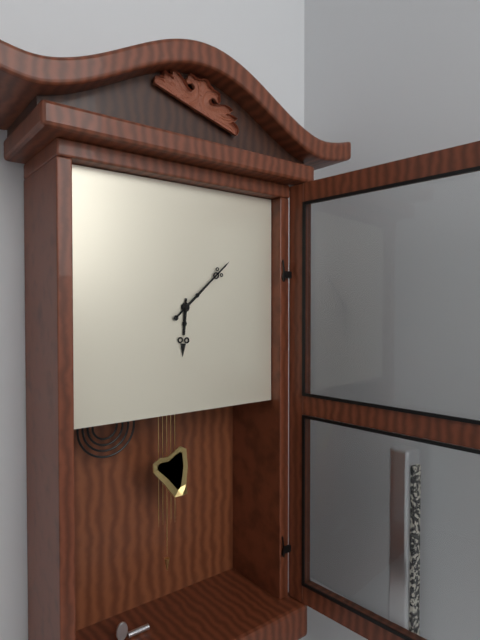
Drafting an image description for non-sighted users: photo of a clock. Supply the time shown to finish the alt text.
6:08
